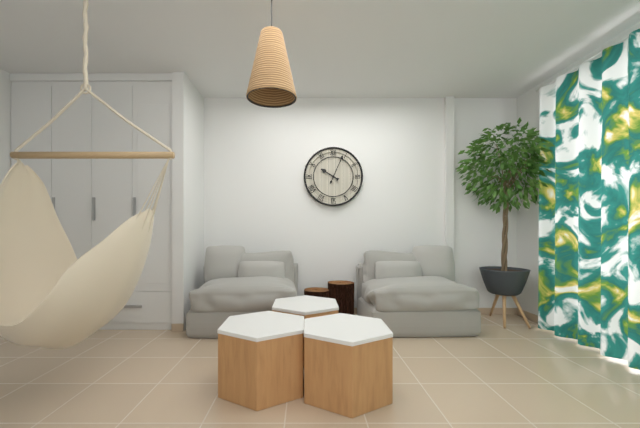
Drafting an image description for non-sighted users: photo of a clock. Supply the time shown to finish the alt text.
10:04
